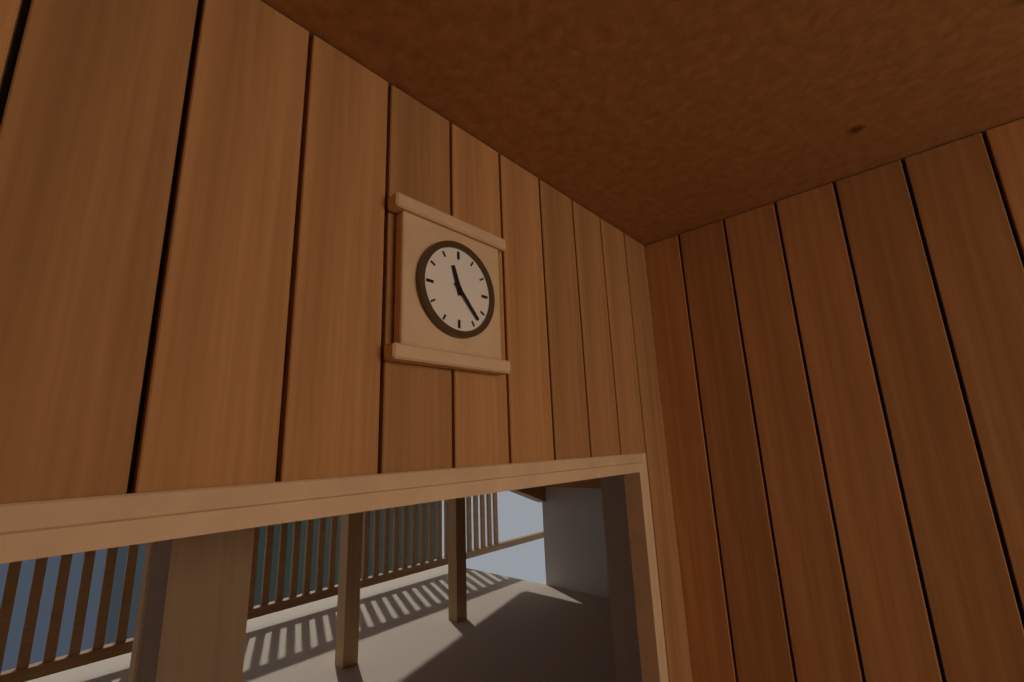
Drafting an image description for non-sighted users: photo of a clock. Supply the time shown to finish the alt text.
11:23
